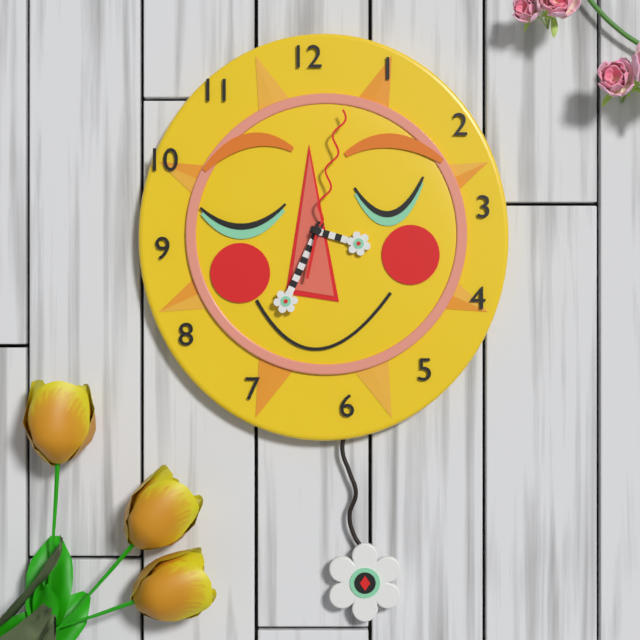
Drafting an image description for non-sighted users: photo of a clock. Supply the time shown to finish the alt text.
3:34:02
